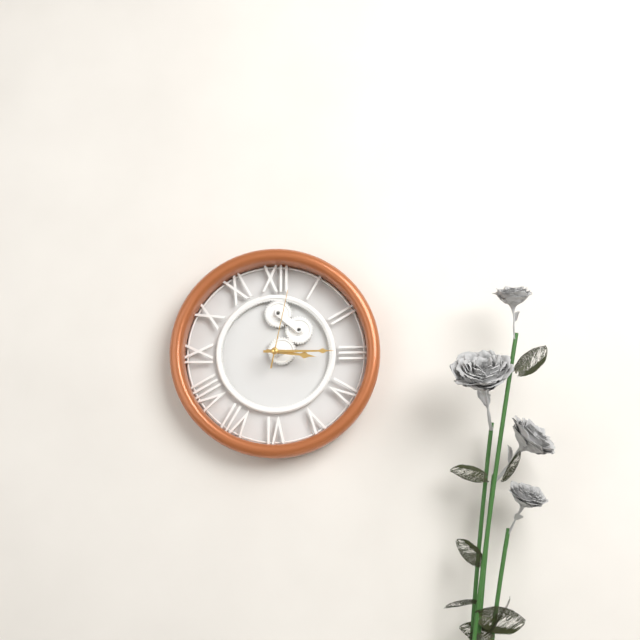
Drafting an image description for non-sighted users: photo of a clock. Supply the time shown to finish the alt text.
3:15:02
